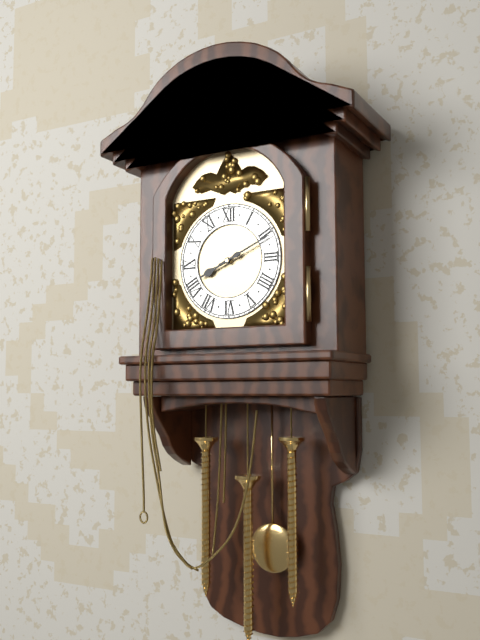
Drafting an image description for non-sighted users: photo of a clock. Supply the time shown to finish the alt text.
8:11
